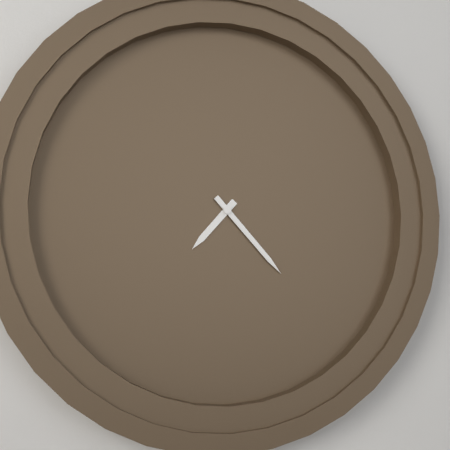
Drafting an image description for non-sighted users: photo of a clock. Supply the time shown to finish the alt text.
7:23
